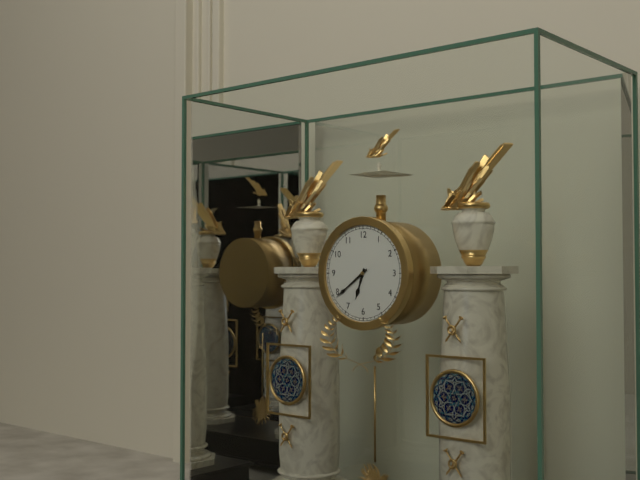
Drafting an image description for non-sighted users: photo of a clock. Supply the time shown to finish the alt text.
6:39
